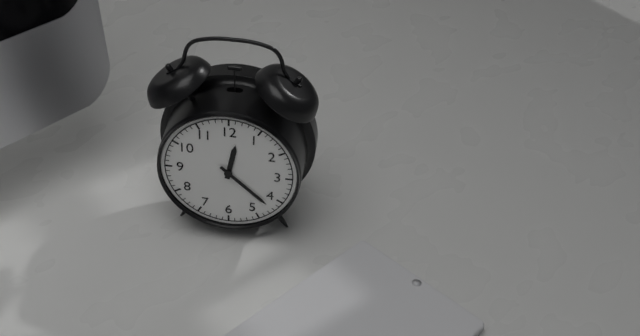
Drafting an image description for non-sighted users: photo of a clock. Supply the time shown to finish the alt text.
12:22
